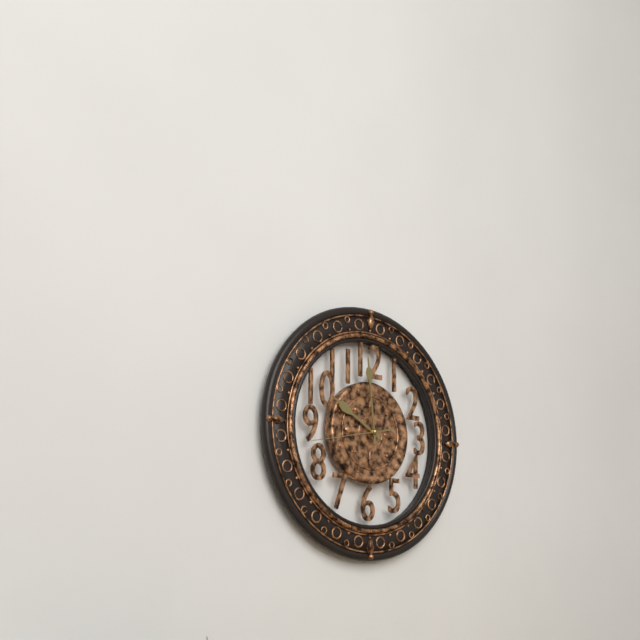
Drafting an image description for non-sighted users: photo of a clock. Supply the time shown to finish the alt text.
9:59:43
